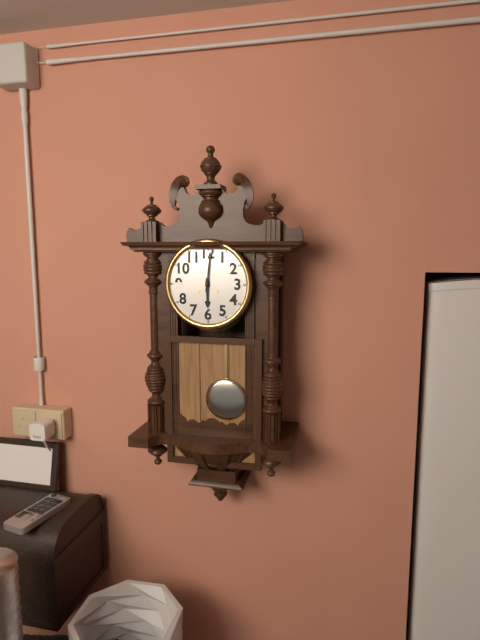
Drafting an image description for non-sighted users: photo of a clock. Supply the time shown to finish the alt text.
6:01
